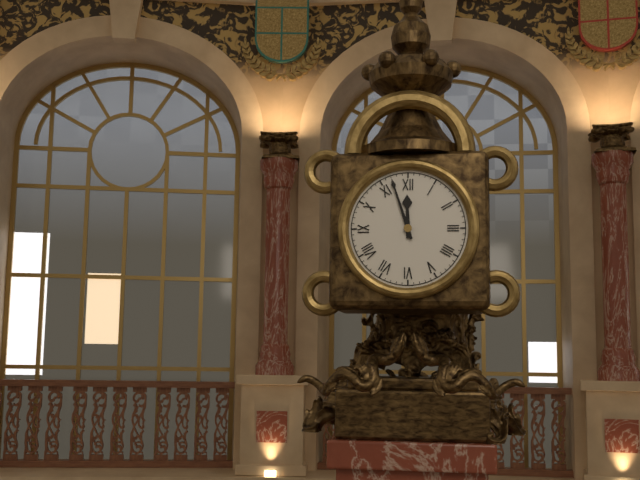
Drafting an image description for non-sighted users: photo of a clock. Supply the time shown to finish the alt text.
11:57
